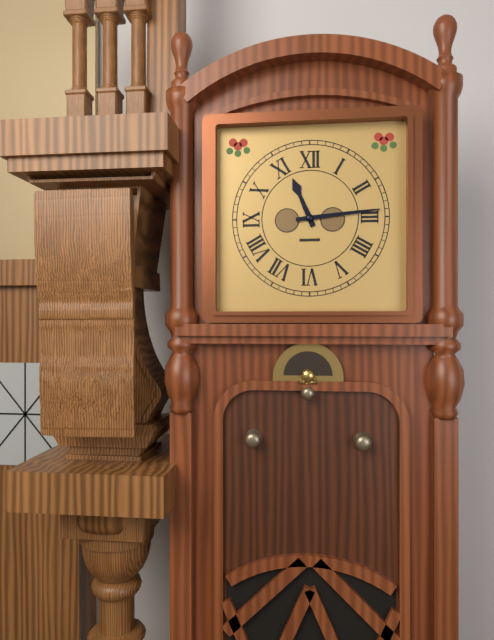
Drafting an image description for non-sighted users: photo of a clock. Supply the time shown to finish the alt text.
11:14
